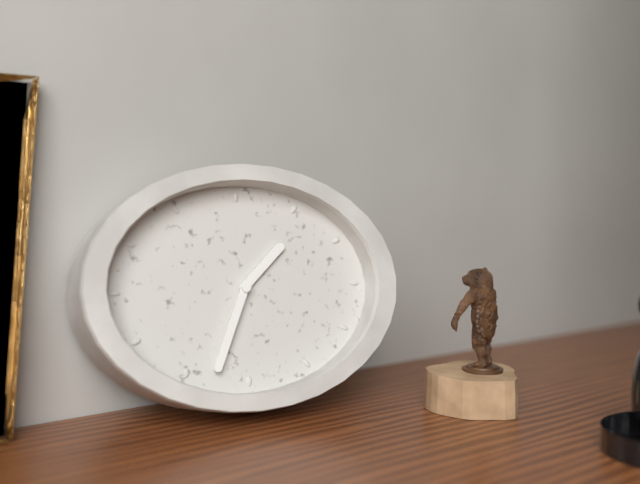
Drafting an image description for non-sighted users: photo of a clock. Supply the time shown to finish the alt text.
1:34
